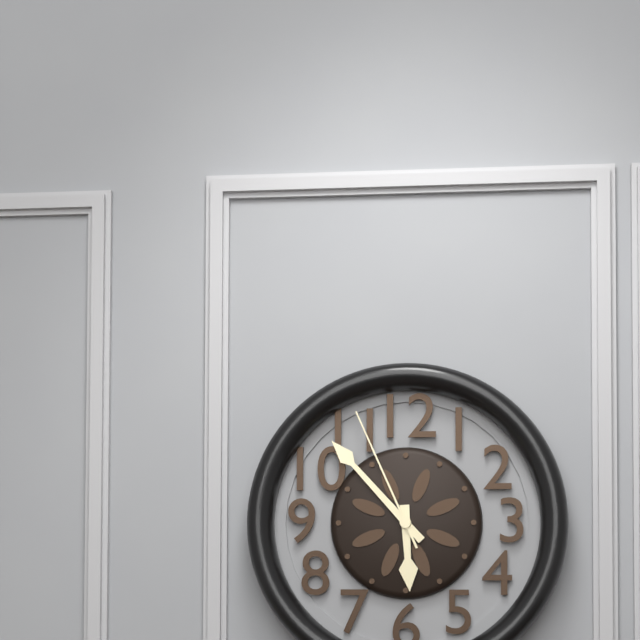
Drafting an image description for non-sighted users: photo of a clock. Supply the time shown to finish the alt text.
5:53:56
